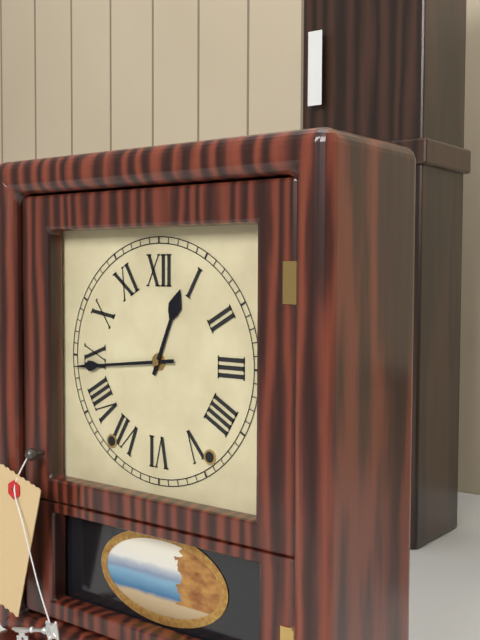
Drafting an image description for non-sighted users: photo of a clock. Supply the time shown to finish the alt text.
12:44
